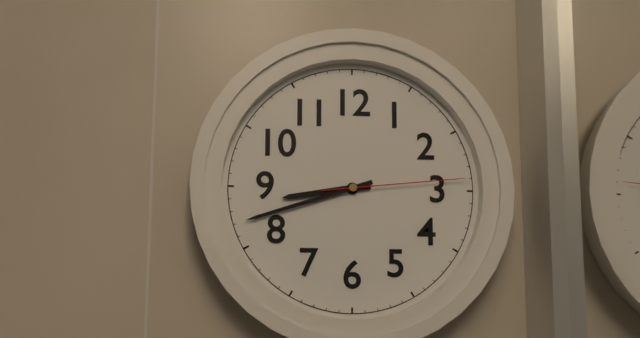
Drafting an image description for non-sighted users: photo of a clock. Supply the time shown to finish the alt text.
8:42:14
